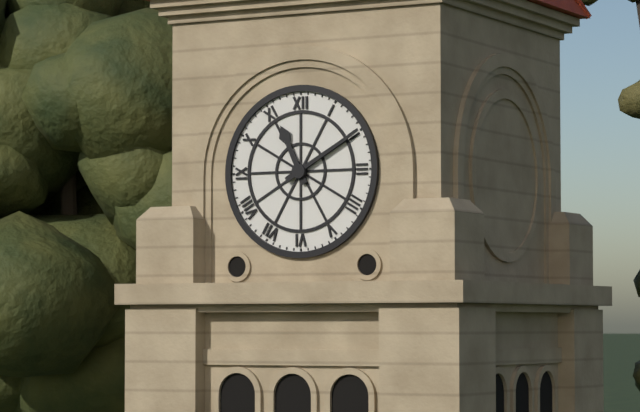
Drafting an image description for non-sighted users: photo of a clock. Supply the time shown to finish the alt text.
11:10
